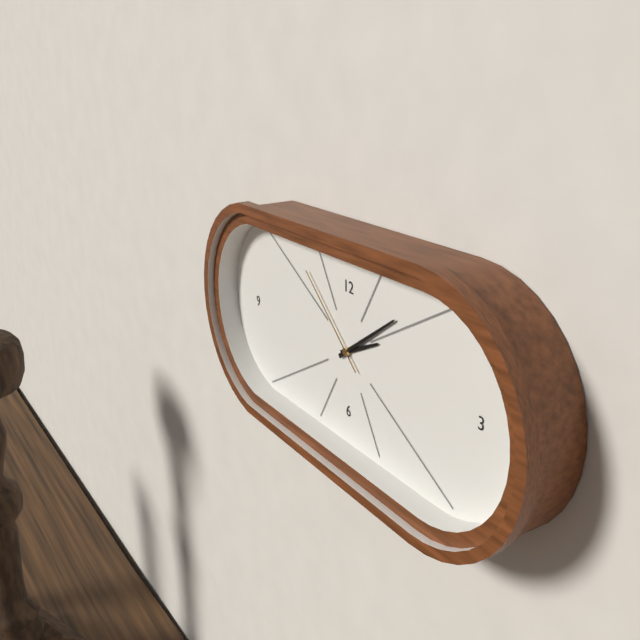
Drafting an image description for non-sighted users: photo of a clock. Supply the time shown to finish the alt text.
2:09:52
